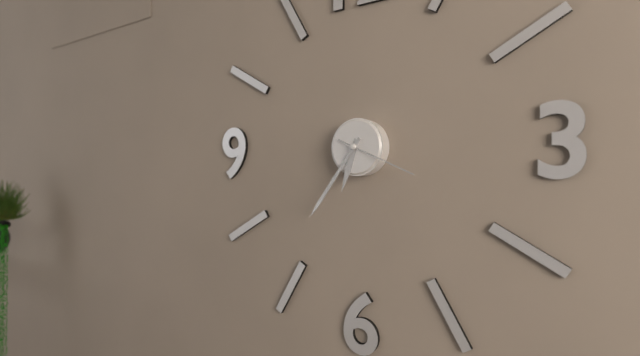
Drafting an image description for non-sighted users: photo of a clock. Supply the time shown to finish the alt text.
6:36:19
